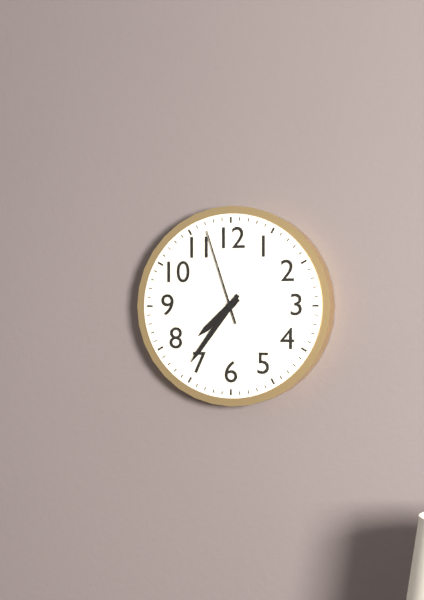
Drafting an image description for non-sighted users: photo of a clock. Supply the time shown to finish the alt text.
7:36:57
